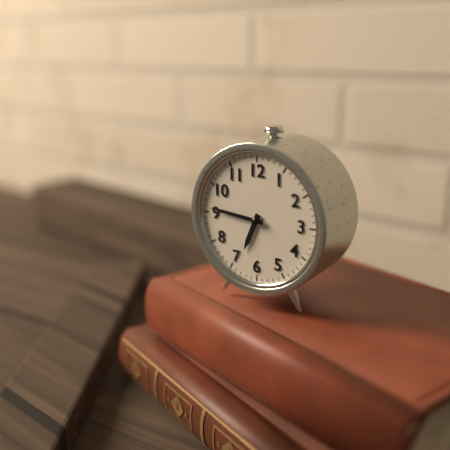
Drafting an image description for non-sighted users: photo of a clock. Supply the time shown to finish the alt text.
6:46
